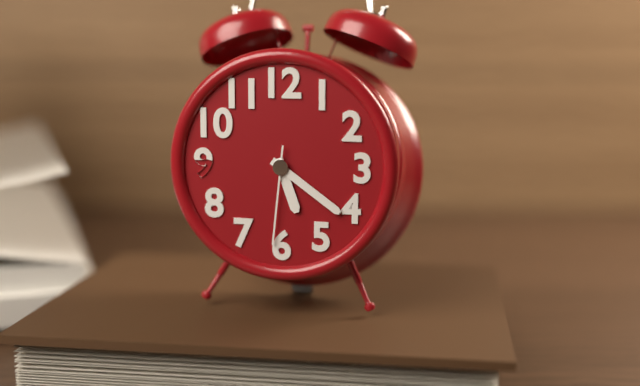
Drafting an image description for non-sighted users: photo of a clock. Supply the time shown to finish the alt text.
5:21:31
